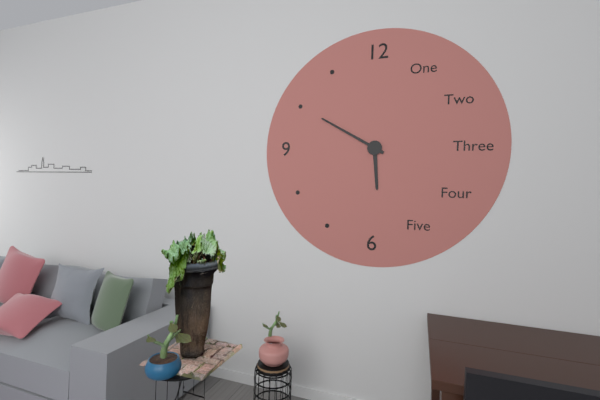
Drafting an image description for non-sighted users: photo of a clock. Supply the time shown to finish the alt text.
5:50
